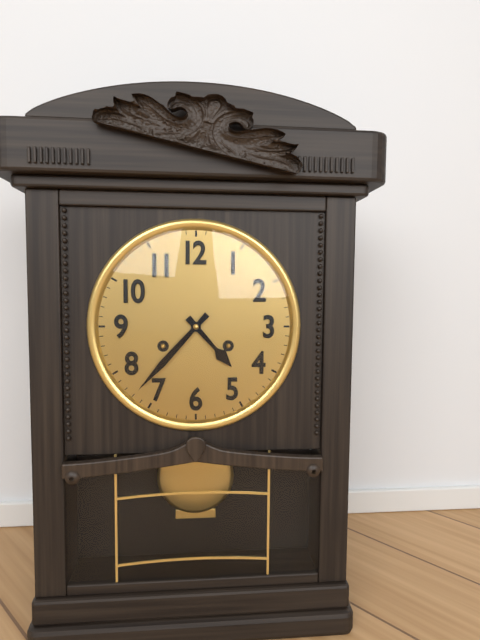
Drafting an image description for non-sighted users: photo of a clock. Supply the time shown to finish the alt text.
4:37
